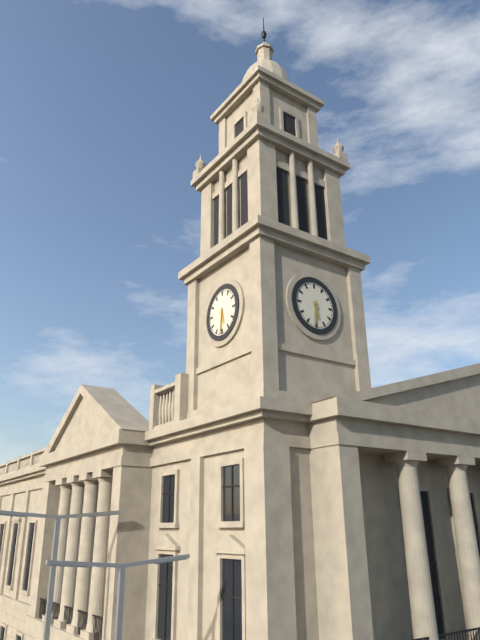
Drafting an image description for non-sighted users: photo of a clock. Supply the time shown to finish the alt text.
5:31
